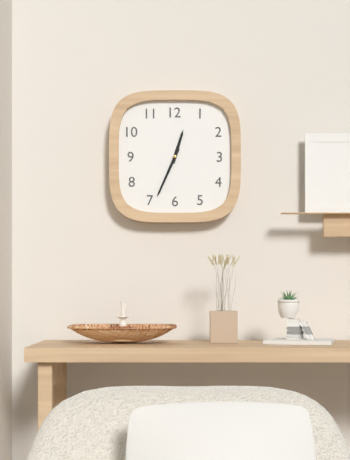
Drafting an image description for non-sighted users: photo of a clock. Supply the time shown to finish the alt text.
12:34
